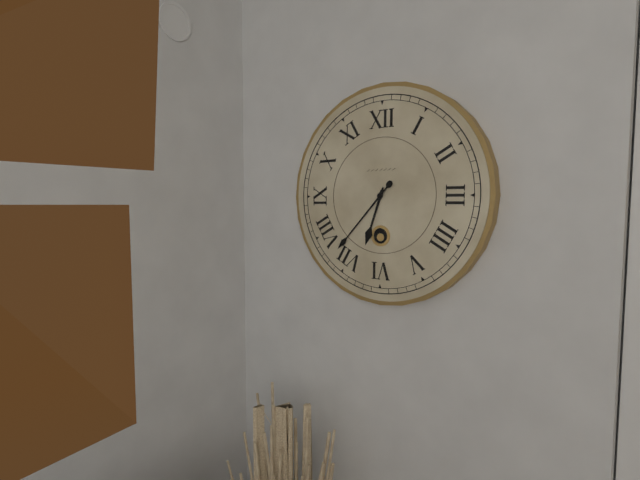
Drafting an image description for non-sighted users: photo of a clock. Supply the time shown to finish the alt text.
6:37
